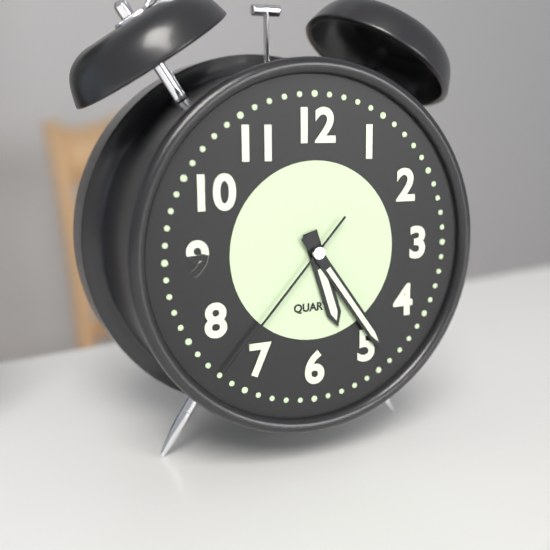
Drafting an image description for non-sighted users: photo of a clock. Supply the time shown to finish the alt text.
5:24:37
